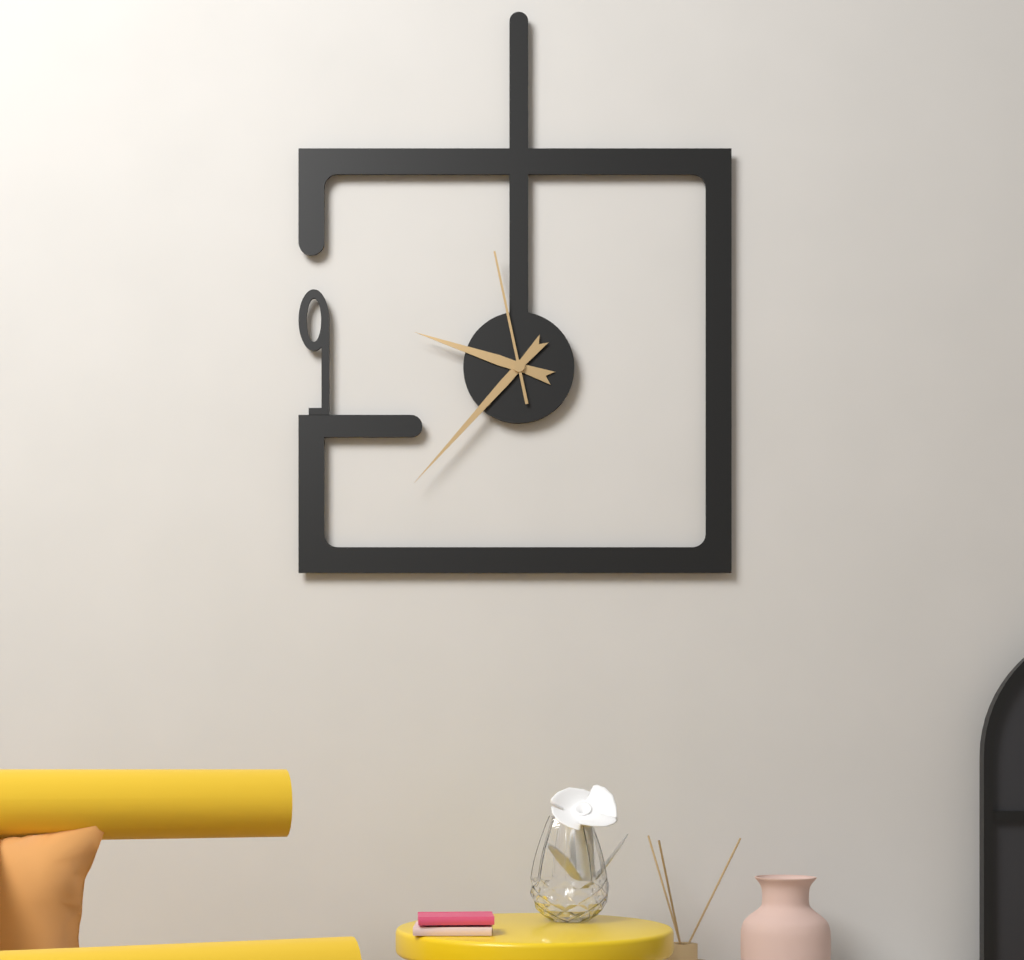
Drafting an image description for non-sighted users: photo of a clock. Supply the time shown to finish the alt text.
9:37:58
